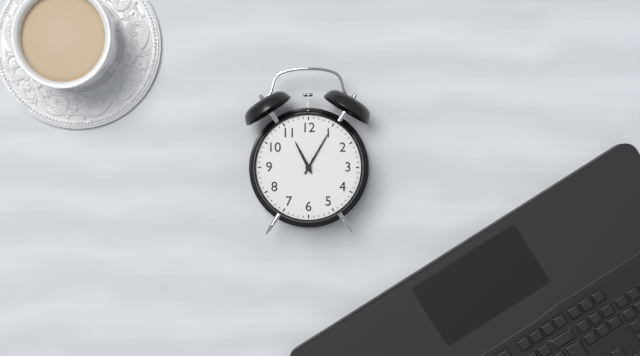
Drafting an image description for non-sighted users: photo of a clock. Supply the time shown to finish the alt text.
11:05
